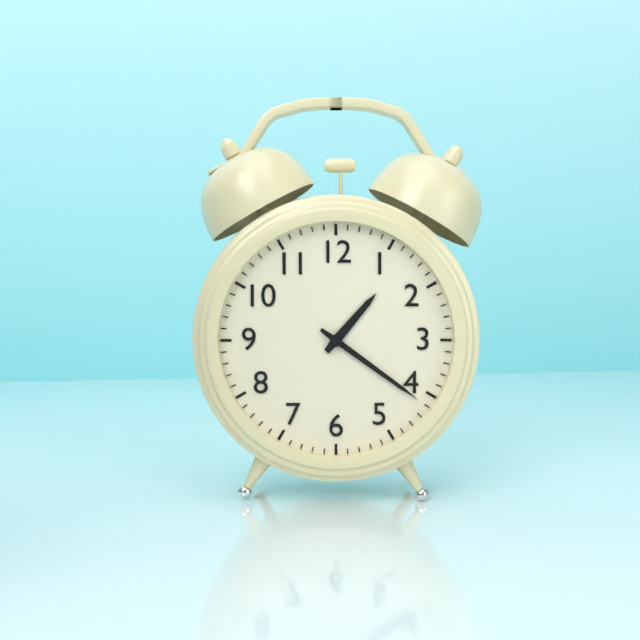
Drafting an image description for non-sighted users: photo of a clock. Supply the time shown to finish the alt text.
1:21
